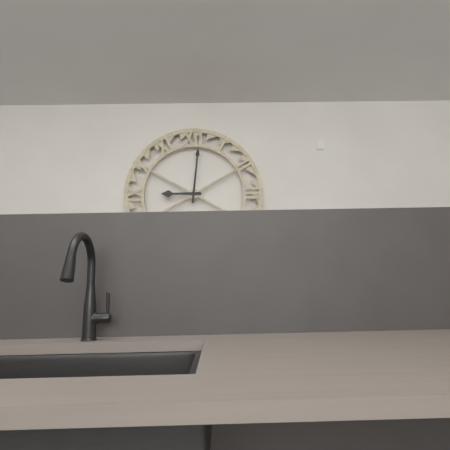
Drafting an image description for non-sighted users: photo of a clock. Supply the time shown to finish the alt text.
9:01
